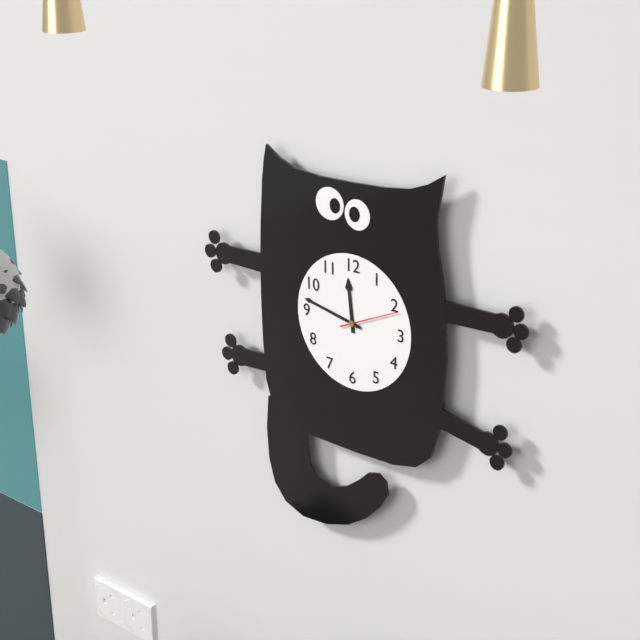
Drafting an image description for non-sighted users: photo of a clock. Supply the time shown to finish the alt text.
11:47:11
